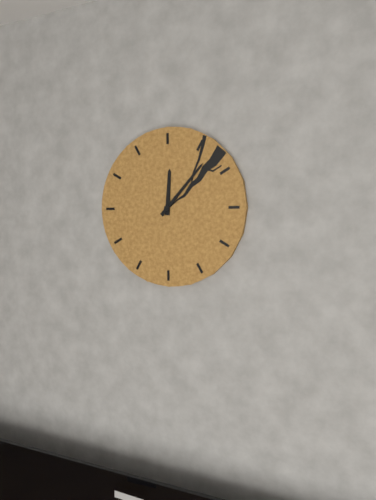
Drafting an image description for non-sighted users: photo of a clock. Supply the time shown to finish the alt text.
12:07
